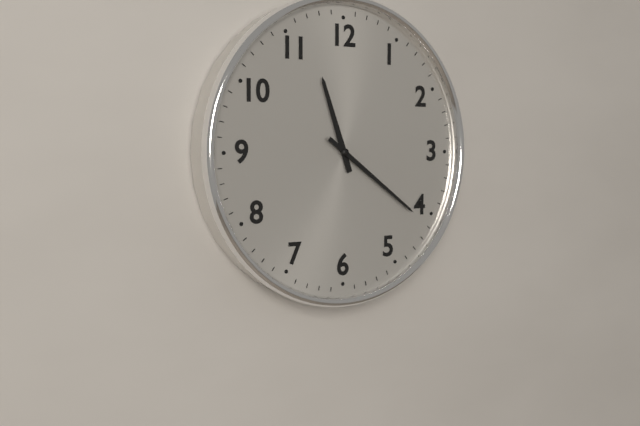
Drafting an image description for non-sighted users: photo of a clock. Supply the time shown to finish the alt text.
11:21
